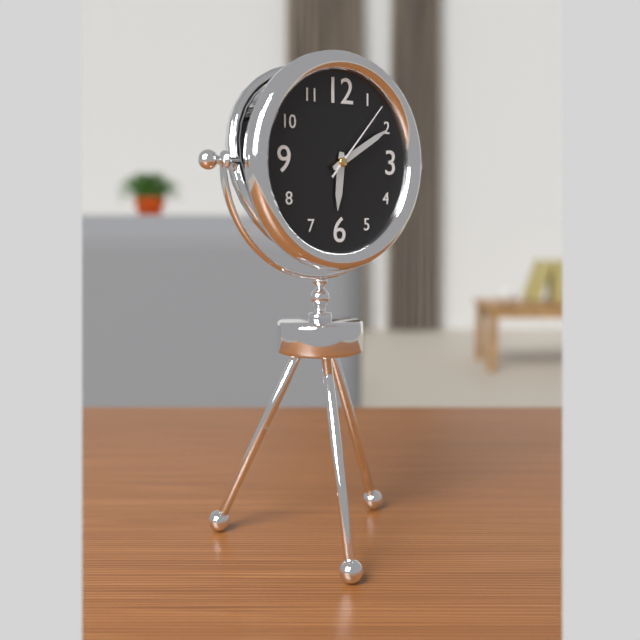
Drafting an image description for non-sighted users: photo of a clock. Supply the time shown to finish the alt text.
6:10:07
